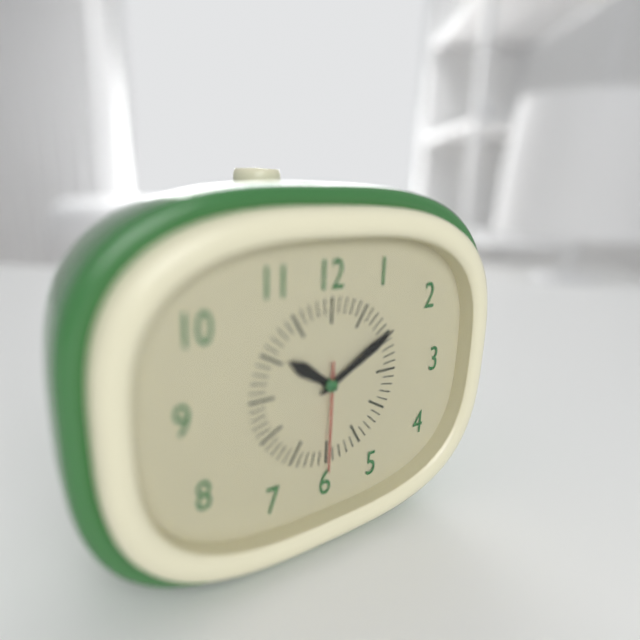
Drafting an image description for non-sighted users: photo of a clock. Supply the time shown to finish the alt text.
10:10:30
